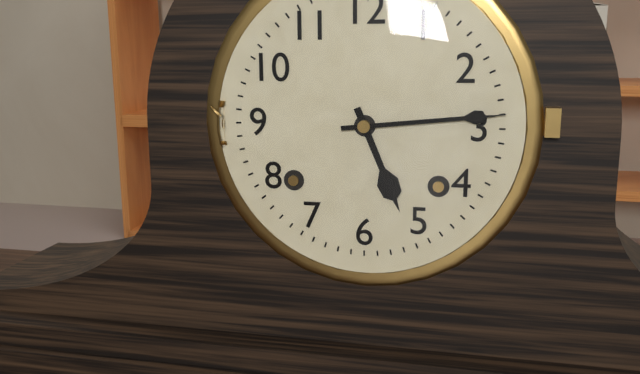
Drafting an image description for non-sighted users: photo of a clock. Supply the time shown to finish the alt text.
5:14
